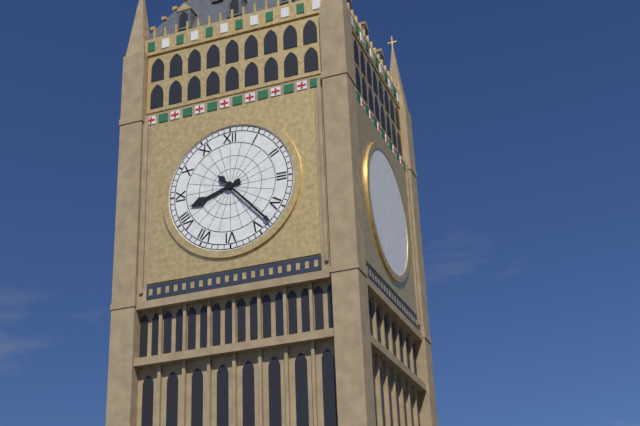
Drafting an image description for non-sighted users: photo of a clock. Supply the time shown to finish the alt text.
8:23
